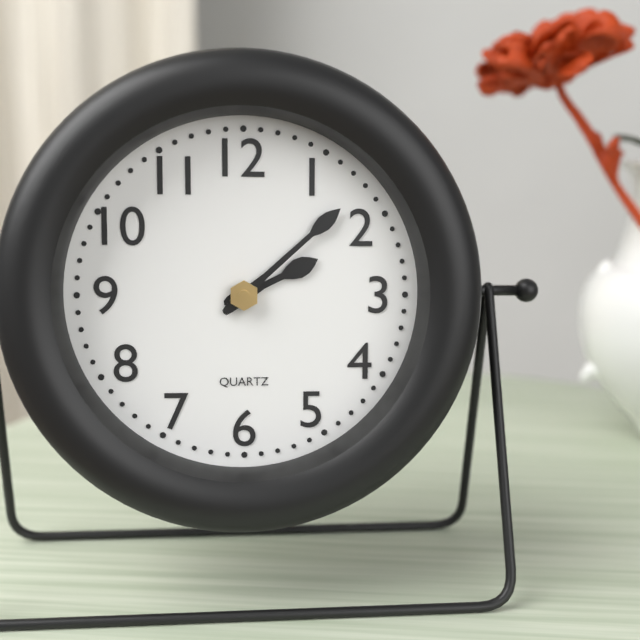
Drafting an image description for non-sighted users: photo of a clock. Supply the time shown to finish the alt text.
2:08
